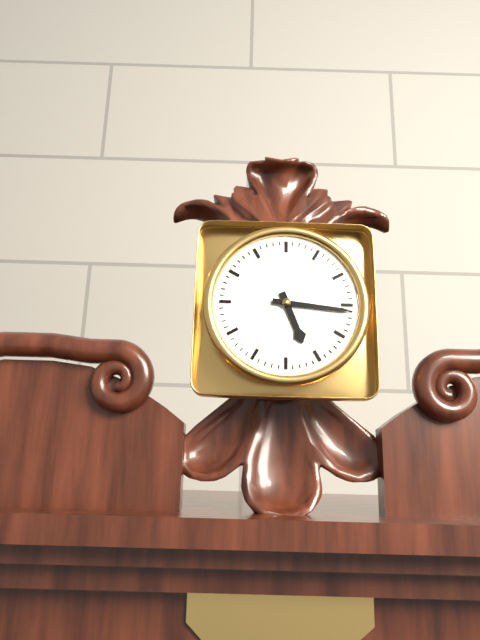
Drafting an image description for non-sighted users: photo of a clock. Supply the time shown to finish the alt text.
5:16
